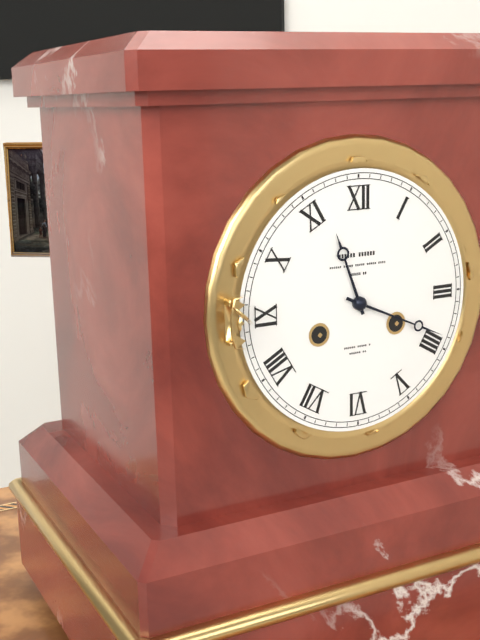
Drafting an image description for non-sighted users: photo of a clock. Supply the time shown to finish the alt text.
11:19
